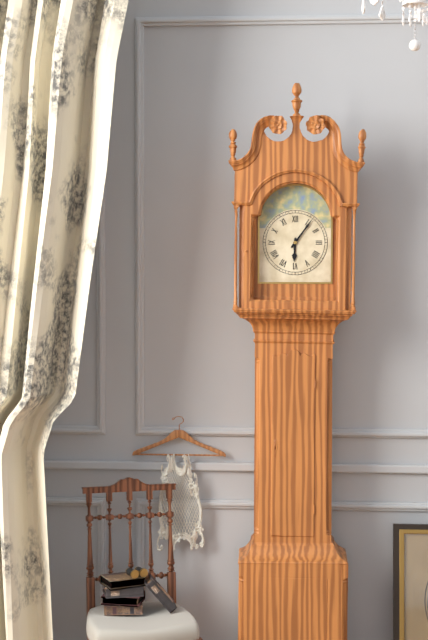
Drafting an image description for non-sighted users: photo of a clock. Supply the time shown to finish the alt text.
6:06
